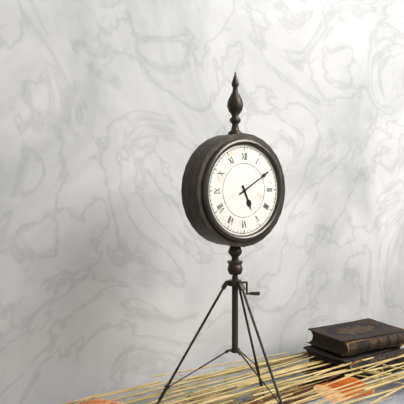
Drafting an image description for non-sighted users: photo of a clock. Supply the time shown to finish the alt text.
5:10
